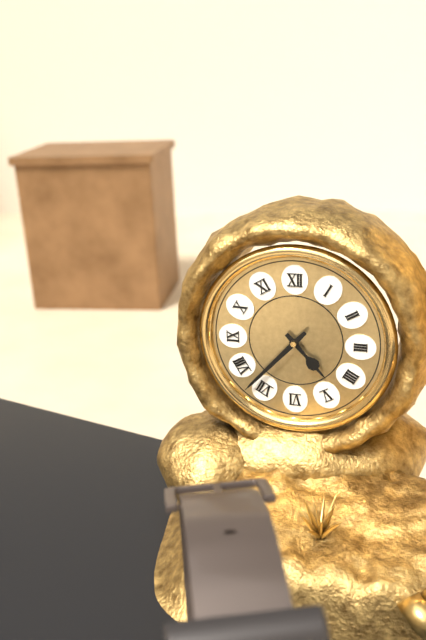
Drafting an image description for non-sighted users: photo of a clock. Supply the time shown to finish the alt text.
4:37
